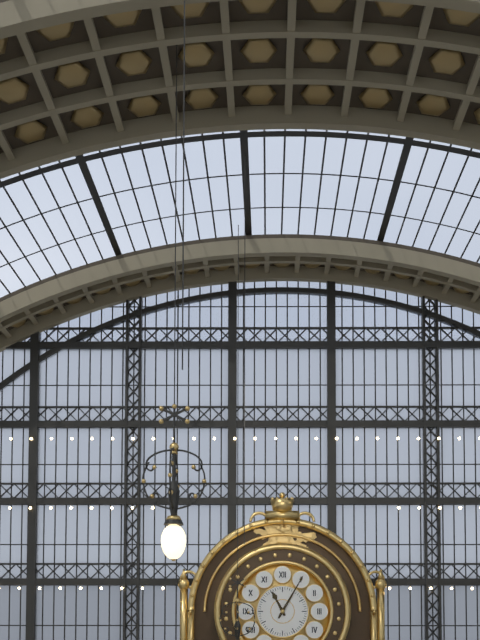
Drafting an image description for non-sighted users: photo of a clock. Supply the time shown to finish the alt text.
11:05
